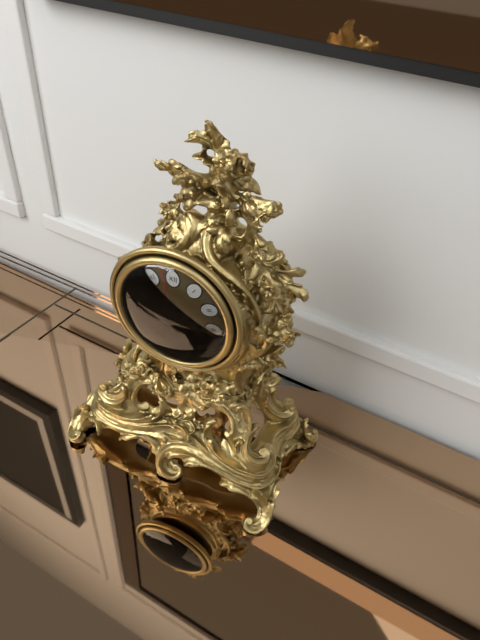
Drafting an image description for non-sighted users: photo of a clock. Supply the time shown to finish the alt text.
9:41:58
